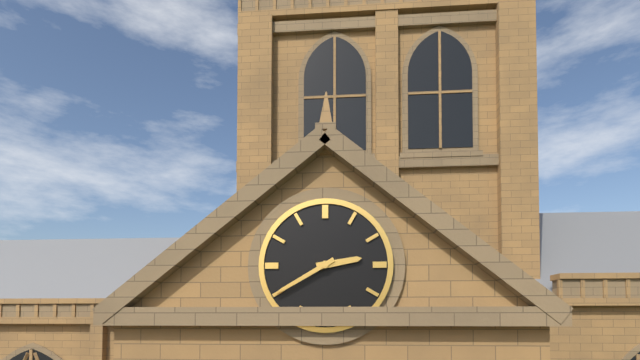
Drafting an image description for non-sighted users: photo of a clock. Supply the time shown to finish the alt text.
2:40
